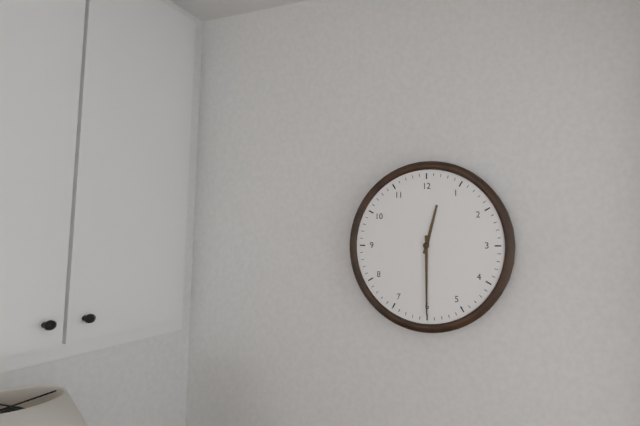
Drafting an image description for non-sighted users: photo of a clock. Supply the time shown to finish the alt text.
12:30
